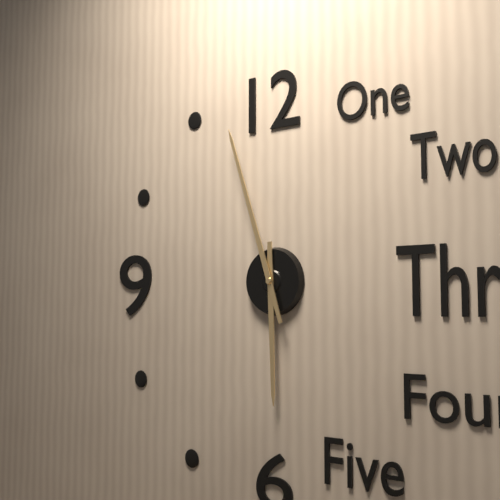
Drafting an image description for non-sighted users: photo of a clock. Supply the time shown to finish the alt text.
5:57
